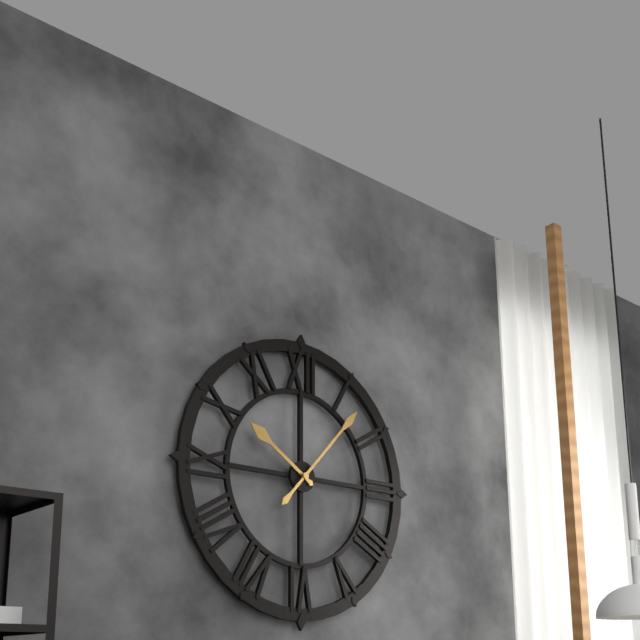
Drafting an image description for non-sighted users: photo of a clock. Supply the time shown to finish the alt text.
10:07
